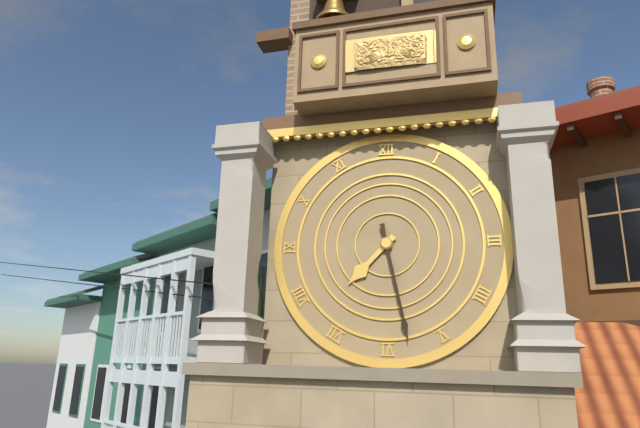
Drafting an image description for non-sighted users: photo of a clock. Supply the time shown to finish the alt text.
7:28
